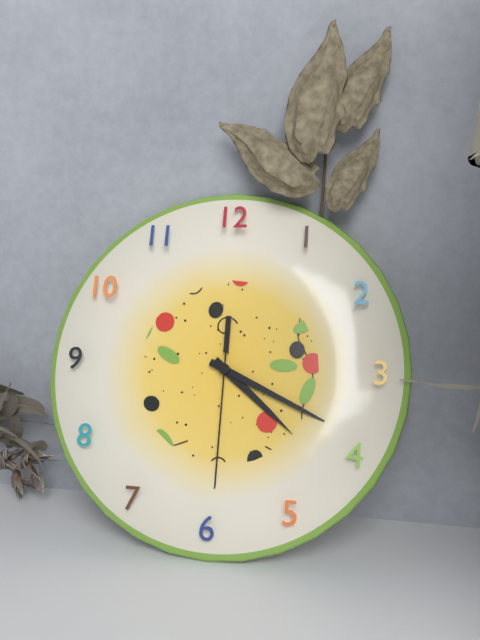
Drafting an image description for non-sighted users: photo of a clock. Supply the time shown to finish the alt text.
4:19:30
